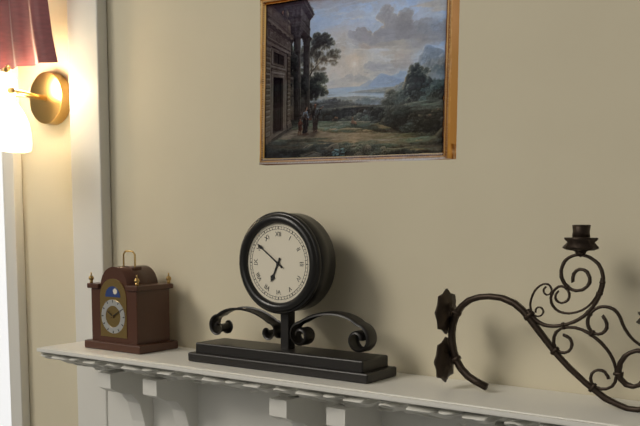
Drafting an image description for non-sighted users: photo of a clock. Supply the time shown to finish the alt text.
6:51
